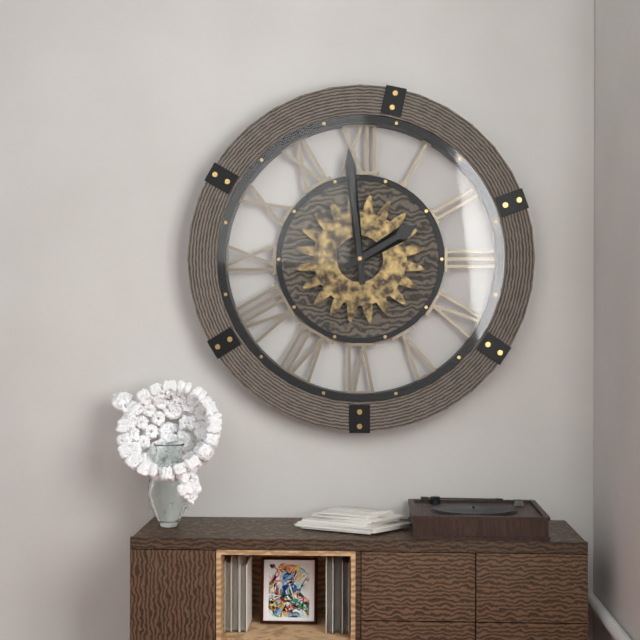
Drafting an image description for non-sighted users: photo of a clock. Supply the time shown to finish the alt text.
1:59
